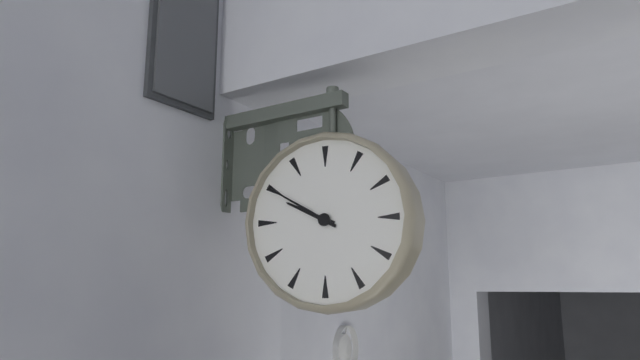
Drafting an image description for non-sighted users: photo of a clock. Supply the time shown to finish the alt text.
9:50
